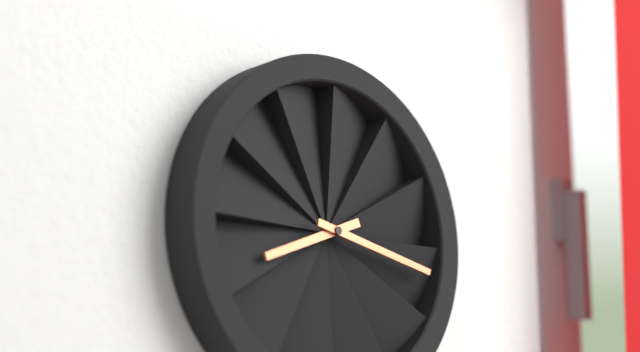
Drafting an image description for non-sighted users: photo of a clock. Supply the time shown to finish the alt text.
8:17
